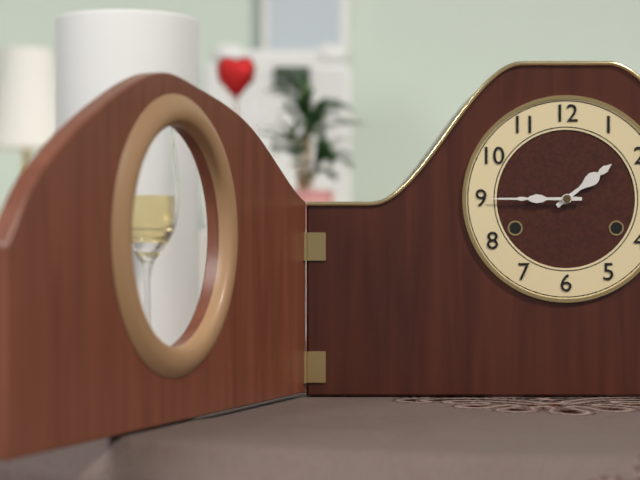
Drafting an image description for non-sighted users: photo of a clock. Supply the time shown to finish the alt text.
1:45
